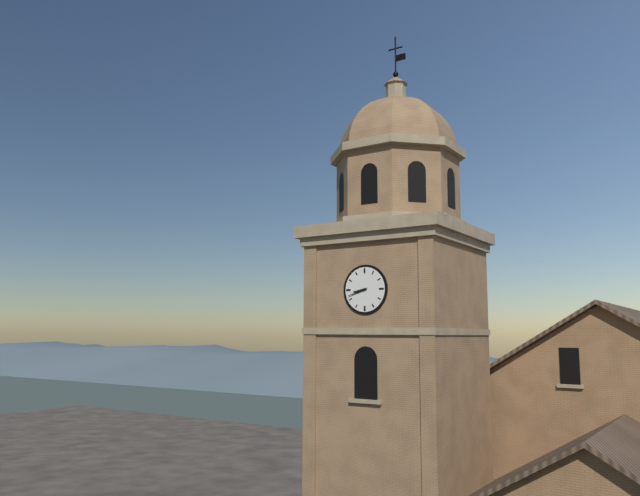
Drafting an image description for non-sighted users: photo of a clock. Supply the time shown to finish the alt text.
8:42
